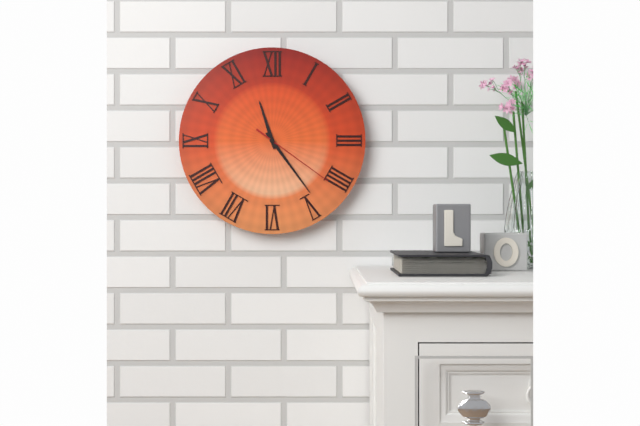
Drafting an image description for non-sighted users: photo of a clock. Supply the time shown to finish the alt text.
11:24:21
